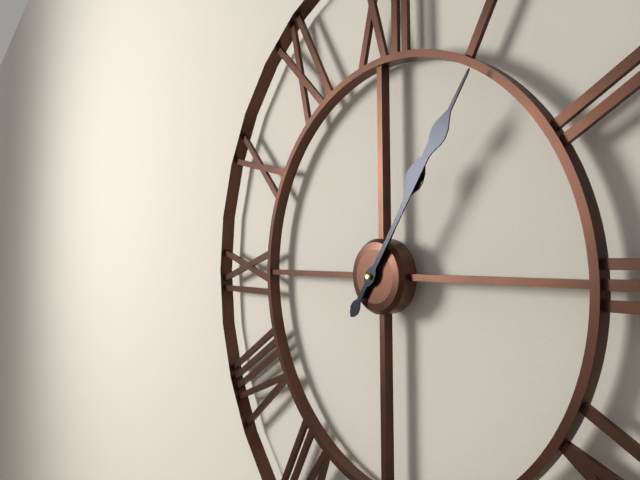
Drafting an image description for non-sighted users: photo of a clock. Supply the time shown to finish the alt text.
1:06
